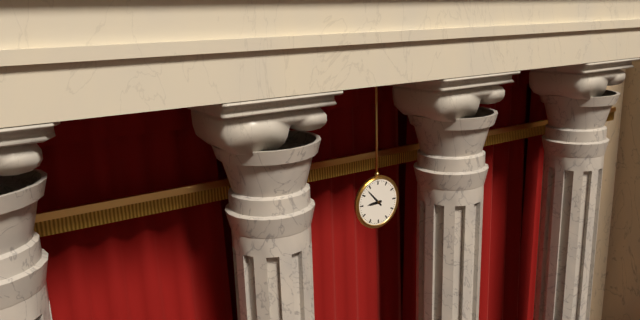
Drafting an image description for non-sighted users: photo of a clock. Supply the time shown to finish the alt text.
8:53
